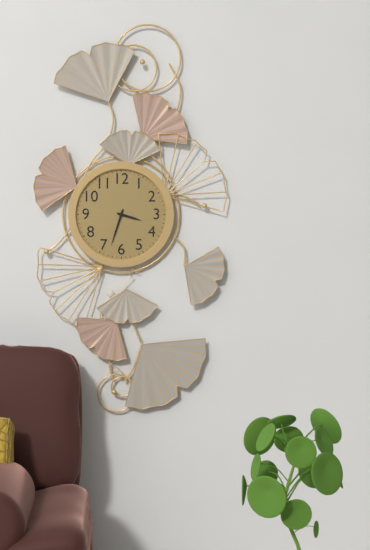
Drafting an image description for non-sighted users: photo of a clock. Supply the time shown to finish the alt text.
3:33
